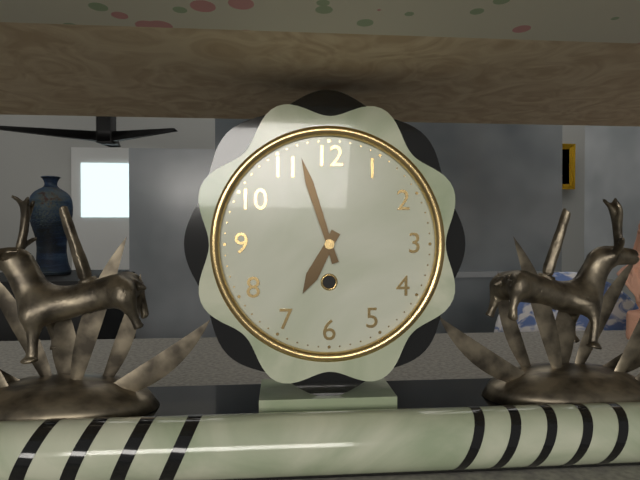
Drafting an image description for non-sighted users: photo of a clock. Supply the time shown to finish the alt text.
6:57
